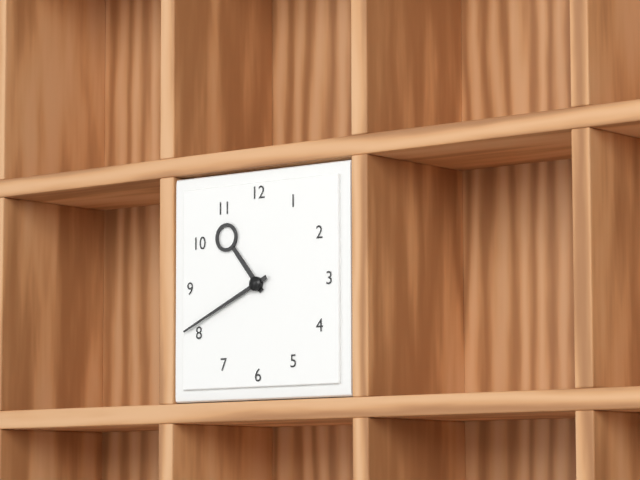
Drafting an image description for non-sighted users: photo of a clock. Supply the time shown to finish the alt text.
10:41
